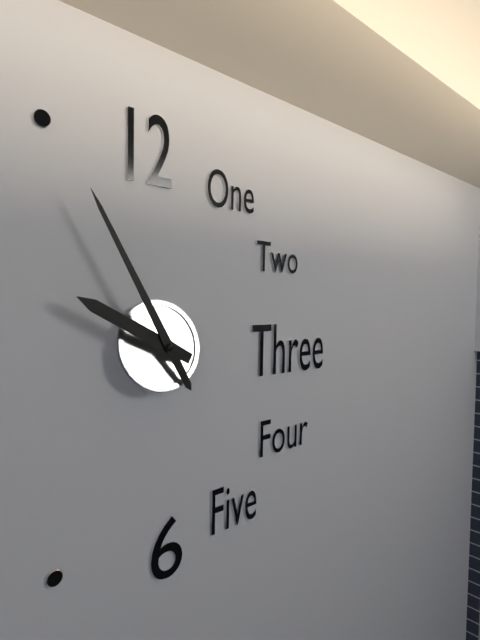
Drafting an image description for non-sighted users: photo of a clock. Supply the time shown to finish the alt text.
9:55
